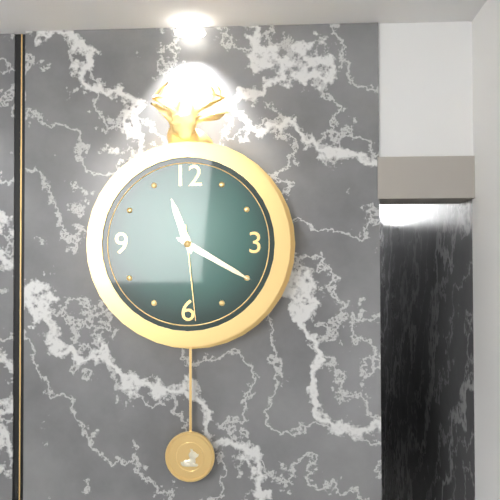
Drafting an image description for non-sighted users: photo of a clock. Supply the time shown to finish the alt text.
11:20:29
